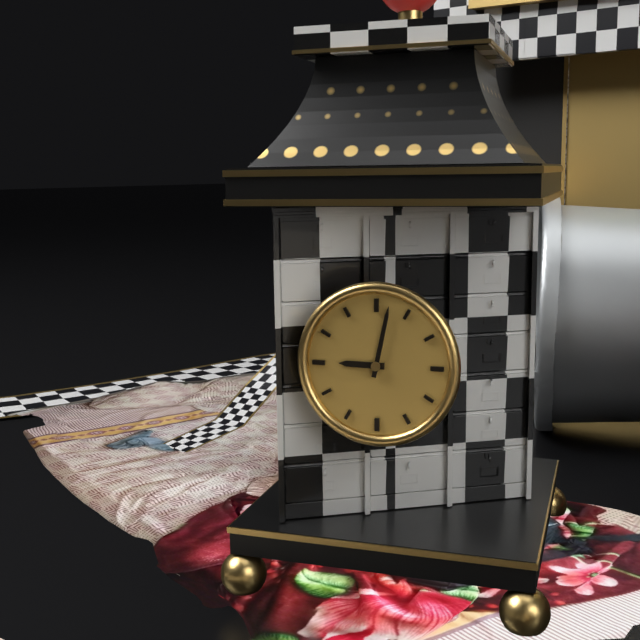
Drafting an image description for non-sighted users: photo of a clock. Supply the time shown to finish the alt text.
9:02
